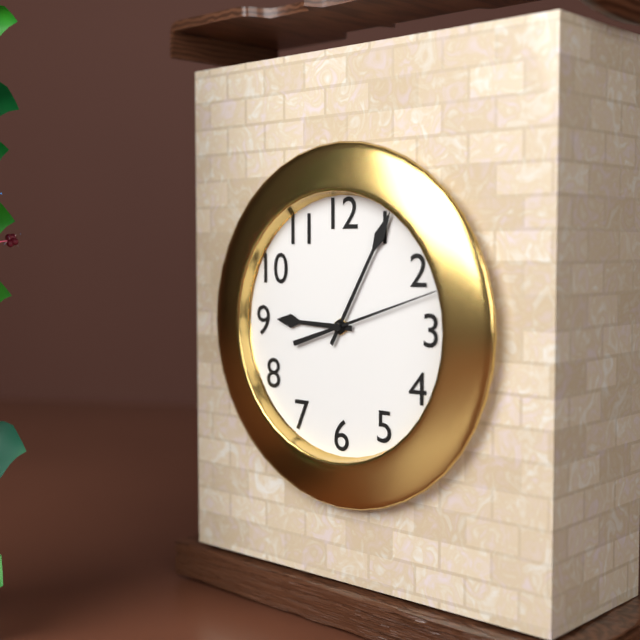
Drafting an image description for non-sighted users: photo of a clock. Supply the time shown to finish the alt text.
9:05:12
